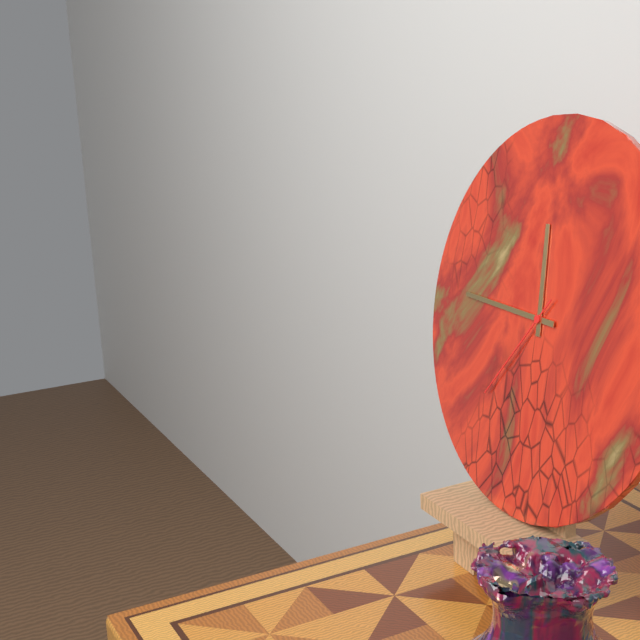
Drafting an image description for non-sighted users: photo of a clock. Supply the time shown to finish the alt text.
11:45:36
